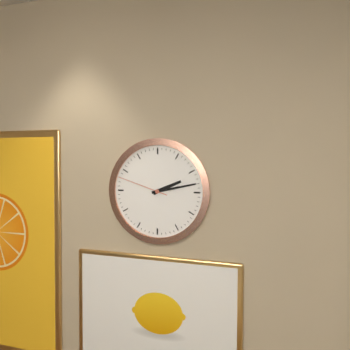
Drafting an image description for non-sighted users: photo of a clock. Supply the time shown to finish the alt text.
2:13:48
